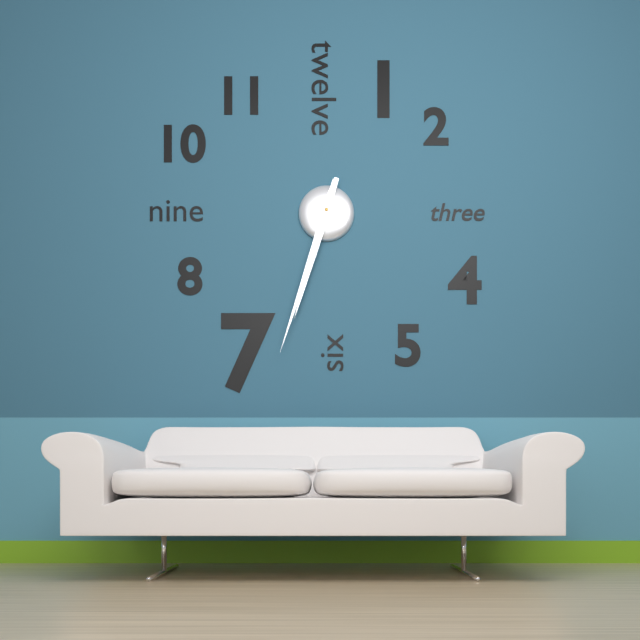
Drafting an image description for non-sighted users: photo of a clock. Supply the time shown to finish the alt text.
6:33
